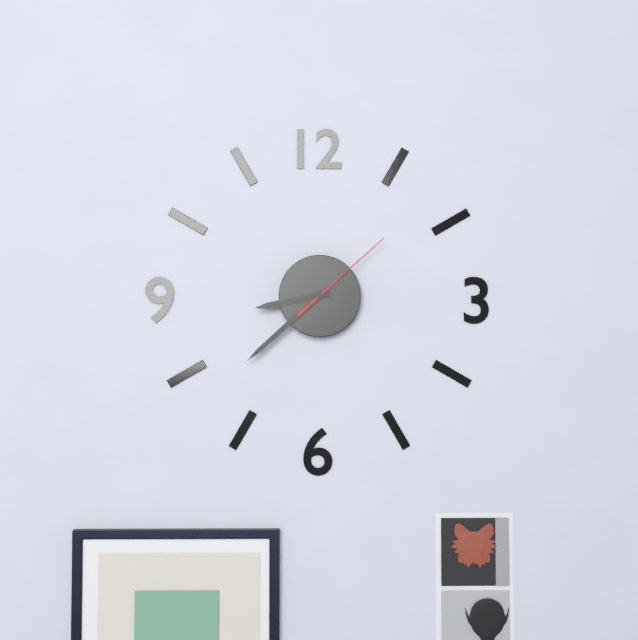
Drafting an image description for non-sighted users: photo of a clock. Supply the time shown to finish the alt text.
8:38:08
